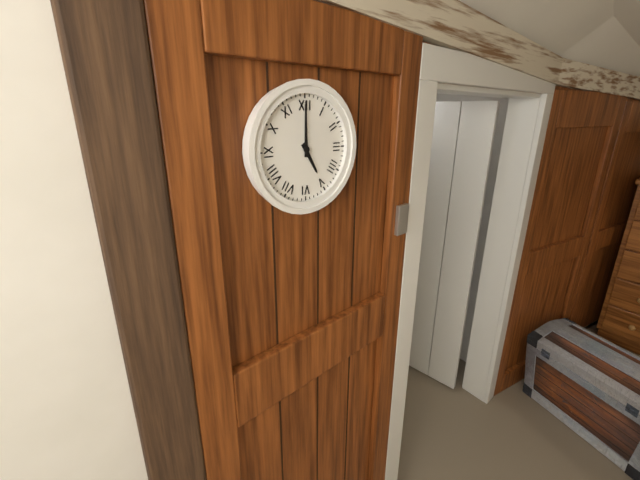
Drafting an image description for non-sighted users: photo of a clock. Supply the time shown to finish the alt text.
5:00
